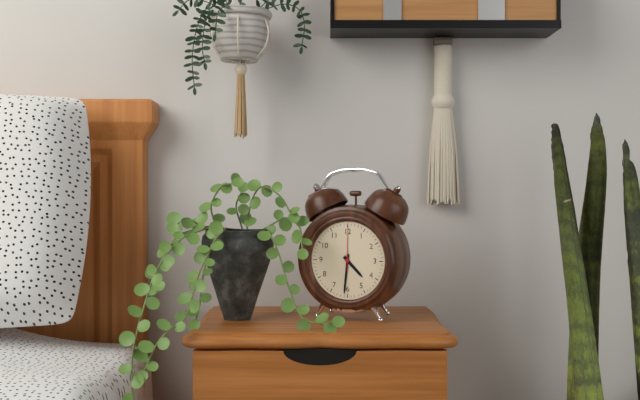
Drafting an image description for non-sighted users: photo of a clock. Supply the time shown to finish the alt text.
4:31
